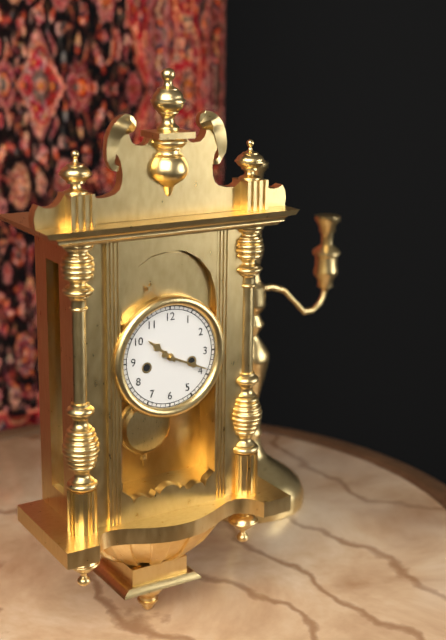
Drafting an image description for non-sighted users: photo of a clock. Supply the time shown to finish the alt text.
10:19
